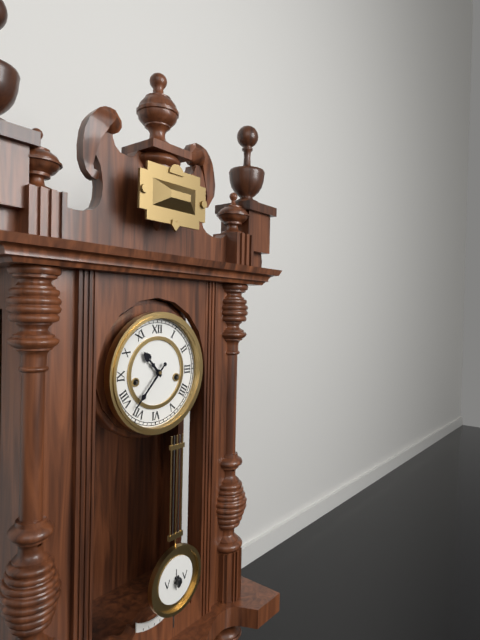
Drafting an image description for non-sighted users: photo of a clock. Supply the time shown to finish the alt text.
10:37
